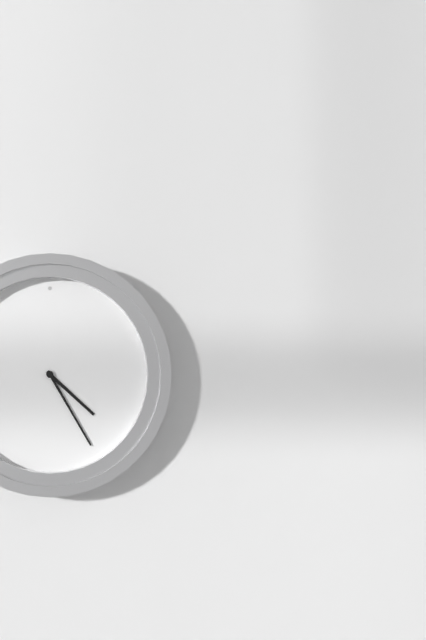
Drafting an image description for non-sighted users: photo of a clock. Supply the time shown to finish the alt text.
4:25
